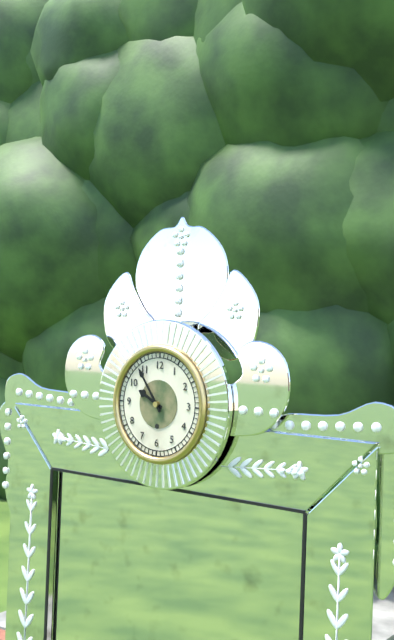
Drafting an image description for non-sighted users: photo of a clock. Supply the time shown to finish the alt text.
9:54
